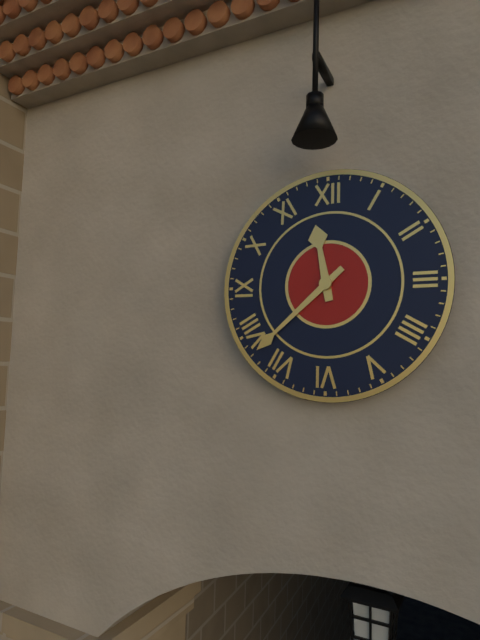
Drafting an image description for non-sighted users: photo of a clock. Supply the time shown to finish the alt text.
11:38
